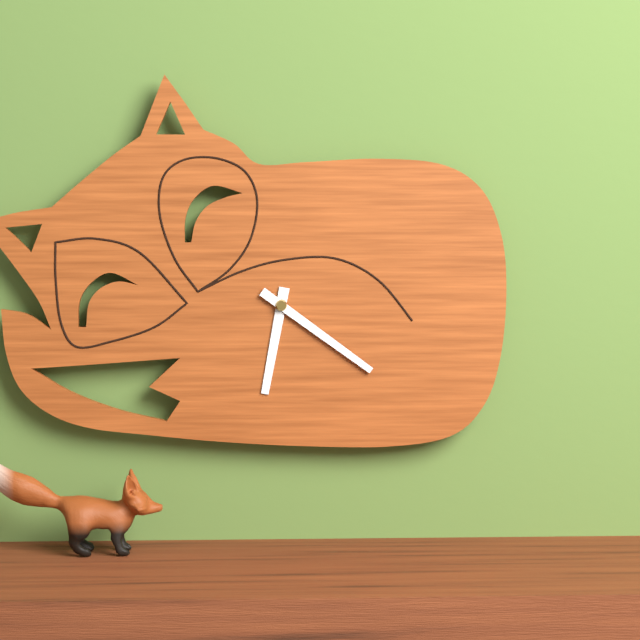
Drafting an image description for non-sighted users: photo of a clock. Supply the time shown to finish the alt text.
6:21
